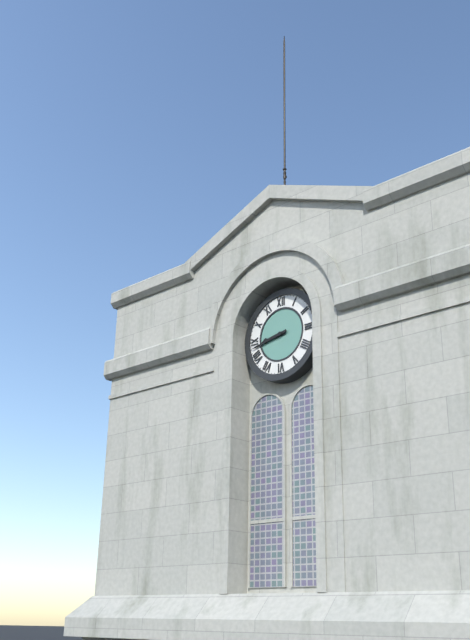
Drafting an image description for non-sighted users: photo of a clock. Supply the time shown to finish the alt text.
8:43
